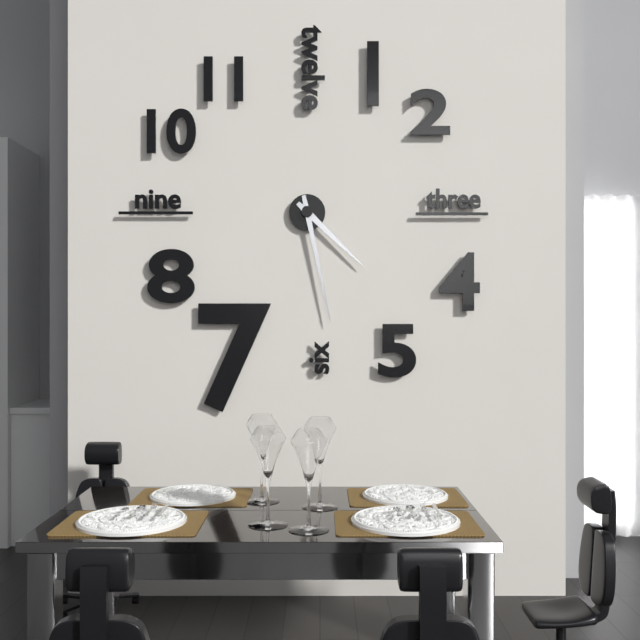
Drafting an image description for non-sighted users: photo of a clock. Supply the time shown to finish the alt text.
4:28
